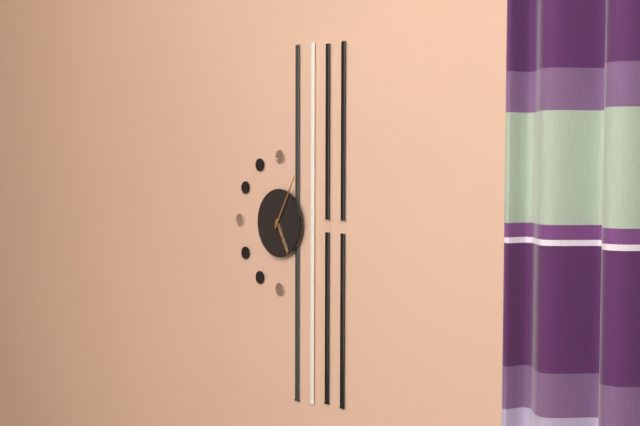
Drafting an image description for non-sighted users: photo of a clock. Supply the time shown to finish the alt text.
5:05
